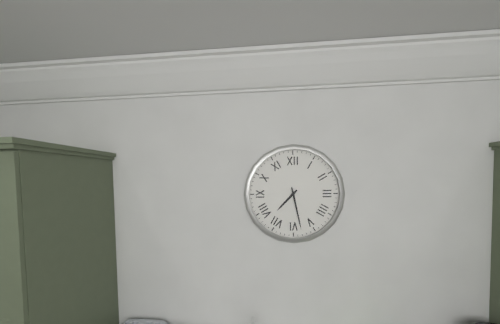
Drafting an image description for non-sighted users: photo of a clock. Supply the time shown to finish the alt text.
7:28
